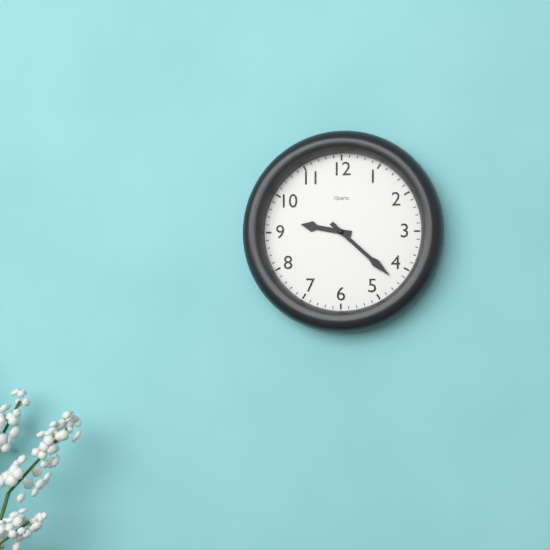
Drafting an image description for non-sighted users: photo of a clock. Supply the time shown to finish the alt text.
9:22
